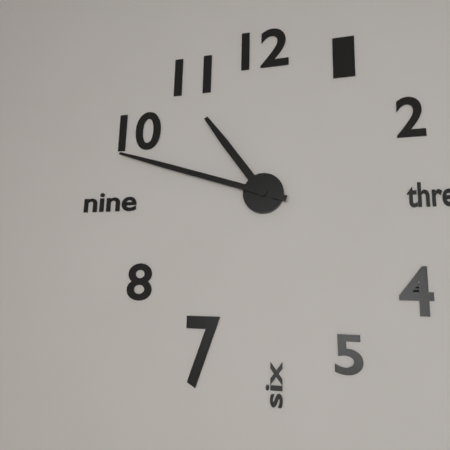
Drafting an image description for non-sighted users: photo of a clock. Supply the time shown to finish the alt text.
10:48
